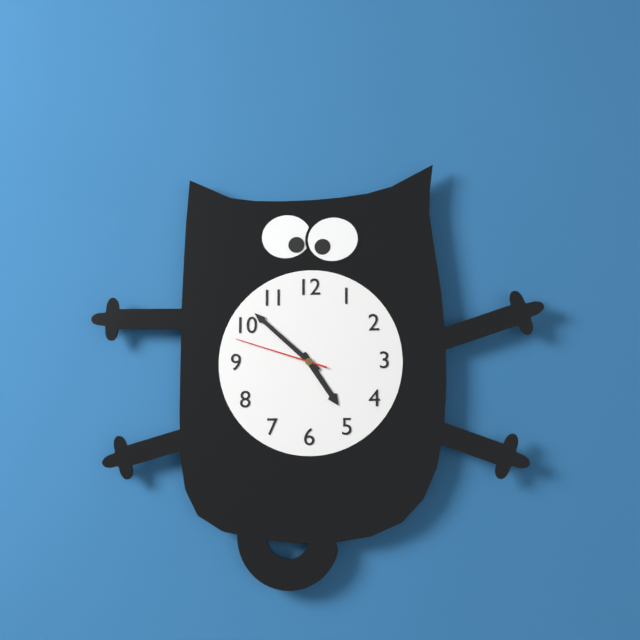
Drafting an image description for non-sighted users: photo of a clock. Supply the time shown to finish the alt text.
4:52:48
